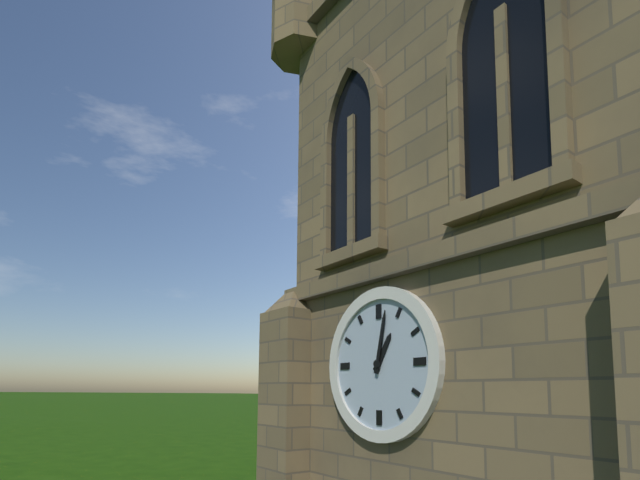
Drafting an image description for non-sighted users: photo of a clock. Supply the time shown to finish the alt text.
1:02
